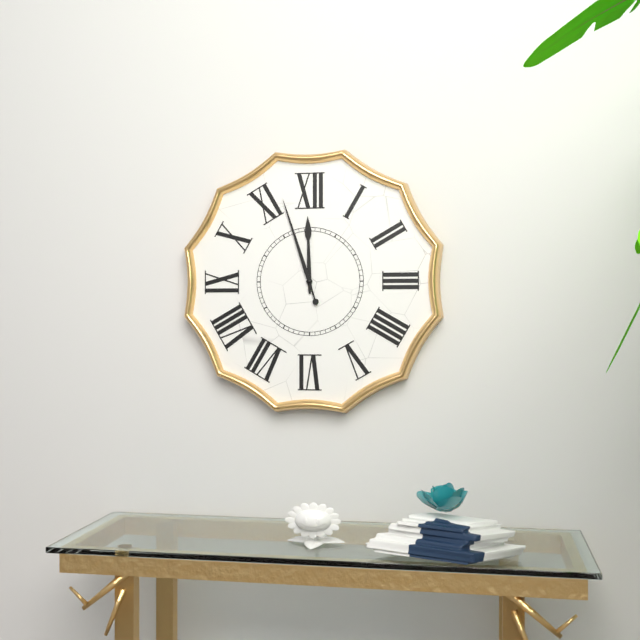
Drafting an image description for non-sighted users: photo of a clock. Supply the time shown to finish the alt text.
11:57
